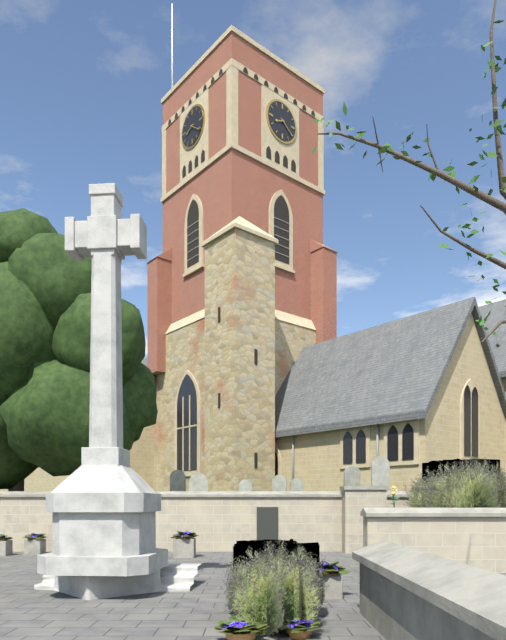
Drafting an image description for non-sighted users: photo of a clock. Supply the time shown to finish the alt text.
8:21
